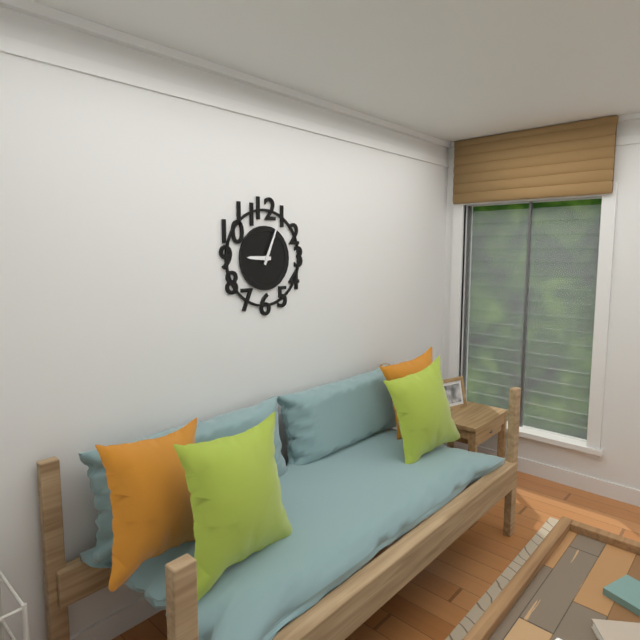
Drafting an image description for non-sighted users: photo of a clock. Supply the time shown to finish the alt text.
9:04
